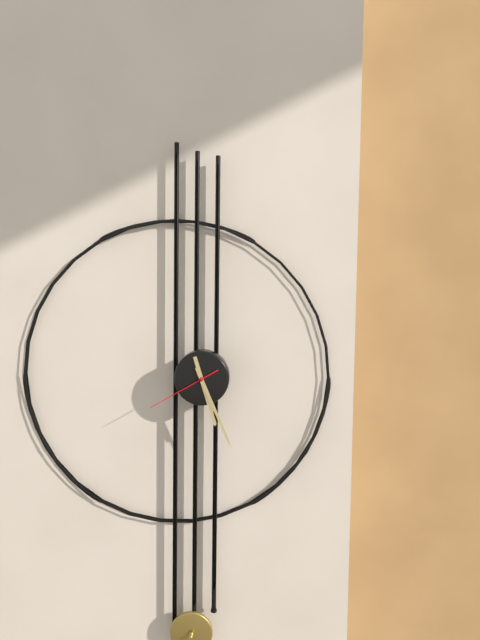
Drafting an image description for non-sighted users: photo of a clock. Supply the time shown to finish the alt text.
5:26:40
